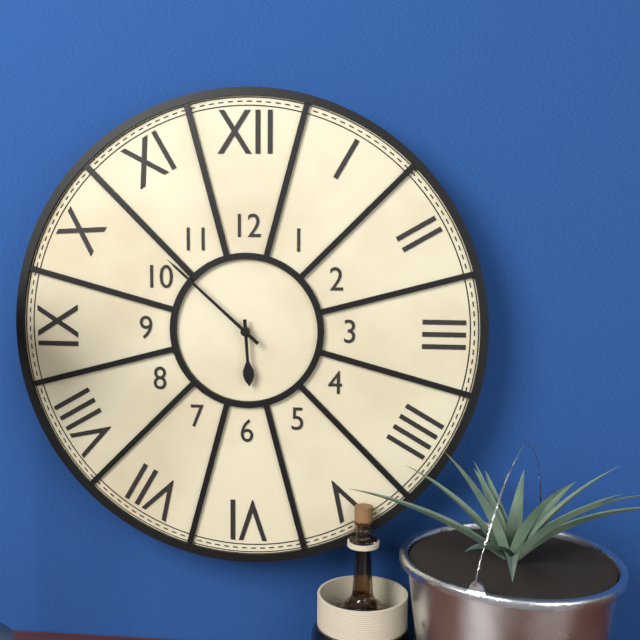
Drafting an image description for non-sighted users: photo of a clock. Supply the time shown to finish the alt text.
5:52
